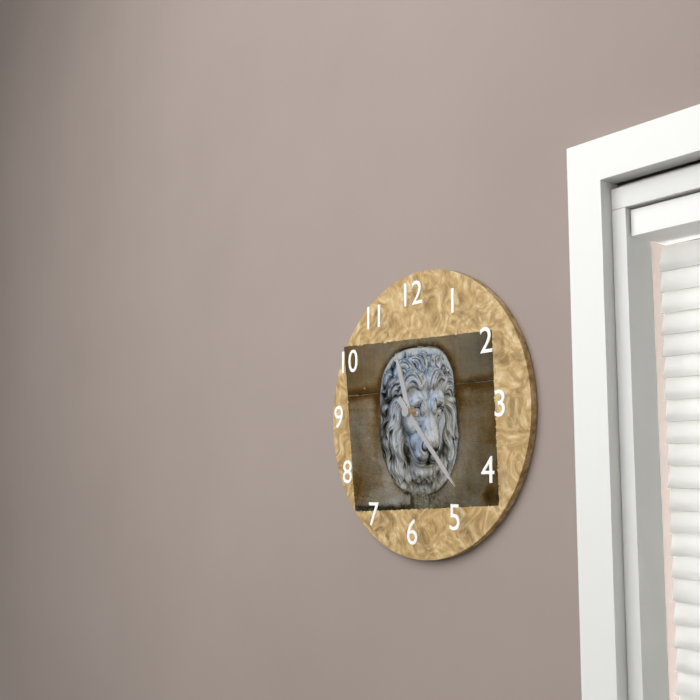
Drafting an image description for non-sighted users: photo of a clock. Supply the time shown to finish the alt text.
11:23
